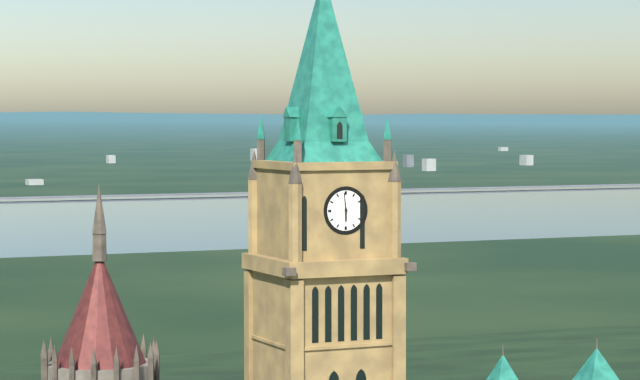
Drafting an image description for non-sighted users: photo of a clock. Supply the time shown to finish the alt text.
5:59
